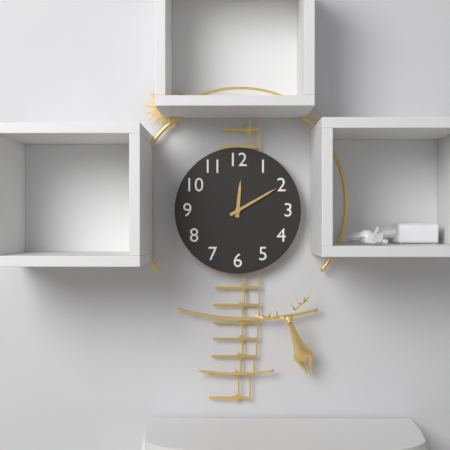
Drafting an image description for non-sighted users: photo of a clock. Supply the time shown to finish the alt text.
12:10
